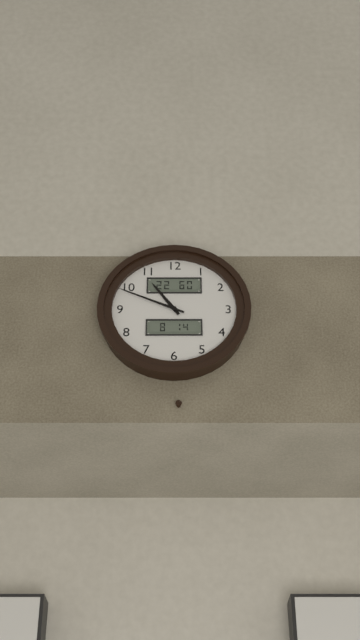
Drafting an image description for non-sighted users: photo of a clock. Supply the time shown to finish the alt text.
10:49
